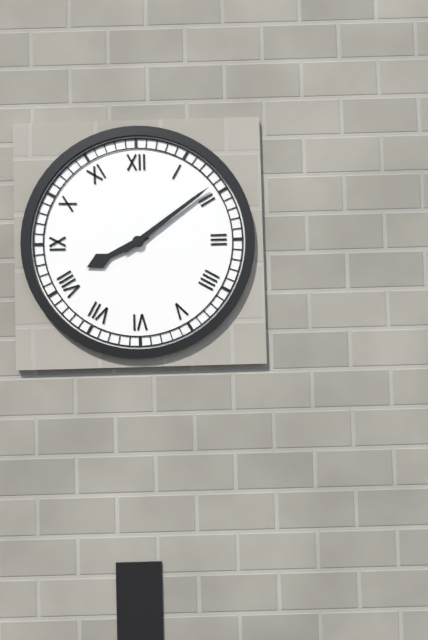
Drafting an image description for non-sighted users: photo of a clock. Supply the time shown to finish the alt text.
8:09
